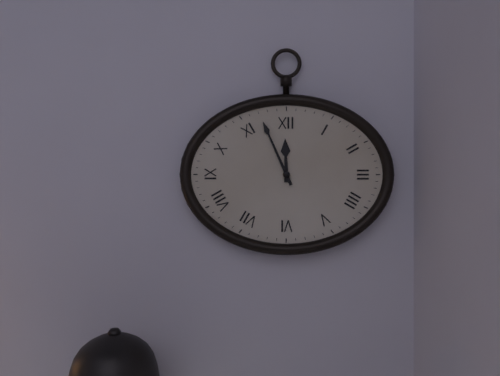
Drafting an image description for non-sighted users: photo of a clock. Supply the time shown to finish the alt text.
11:56
